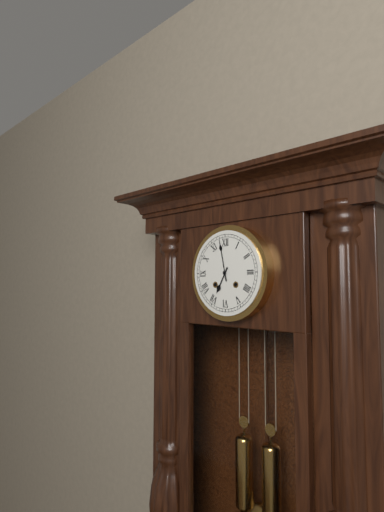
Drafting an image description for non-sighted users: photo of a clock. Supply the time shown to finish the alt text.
6:58
